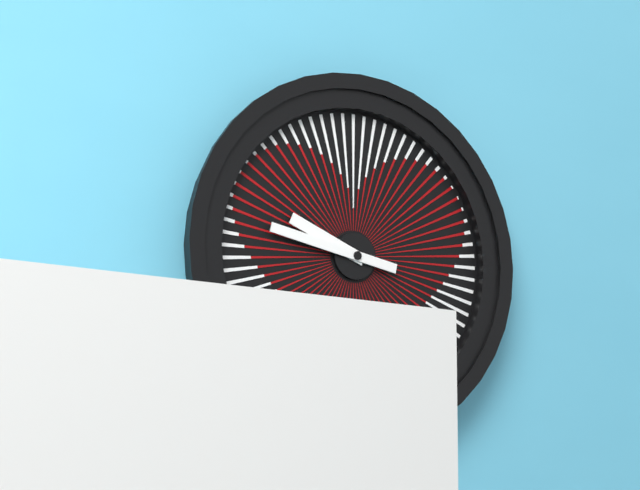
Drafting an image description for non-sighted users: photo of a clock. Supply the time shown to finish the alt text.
9:47
